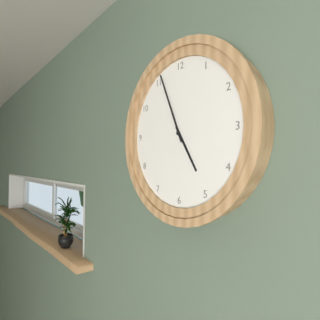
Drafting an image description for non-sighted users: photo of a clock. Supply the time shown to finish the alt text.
4:56
